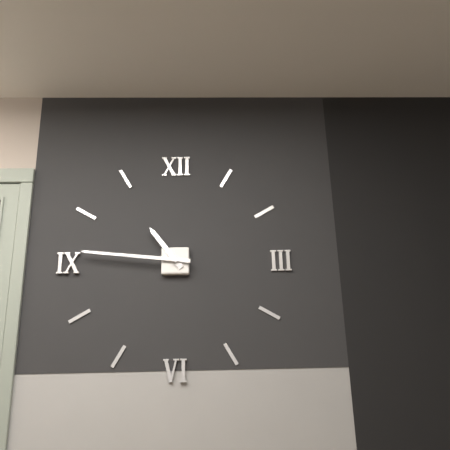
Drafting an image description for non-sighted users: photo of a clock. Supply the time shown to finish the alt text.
10:46
